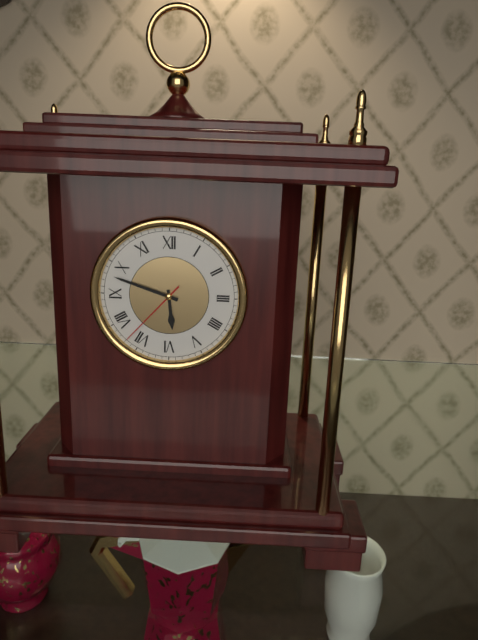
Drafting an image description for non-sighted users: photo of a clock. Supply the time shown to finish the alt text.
5:48:37
